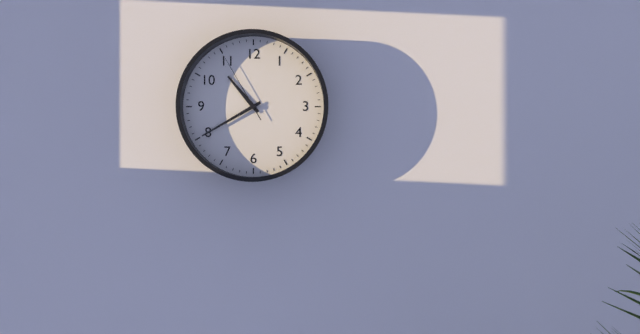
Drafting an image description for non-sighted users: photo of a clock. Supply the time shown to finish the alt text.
10:40:55
